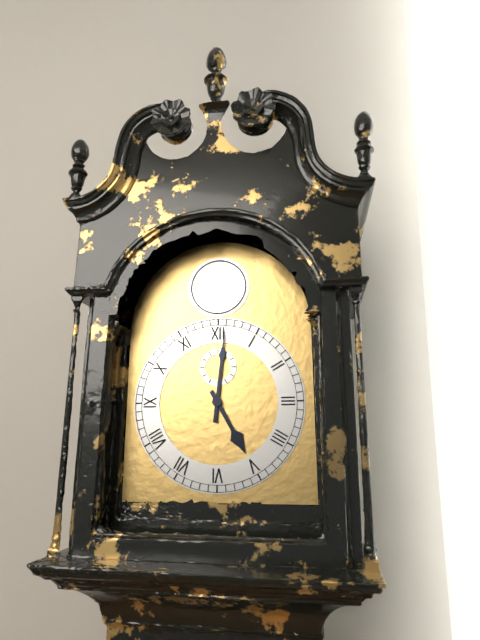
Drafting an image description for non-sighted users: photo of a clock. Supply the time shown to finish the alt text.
5:01
